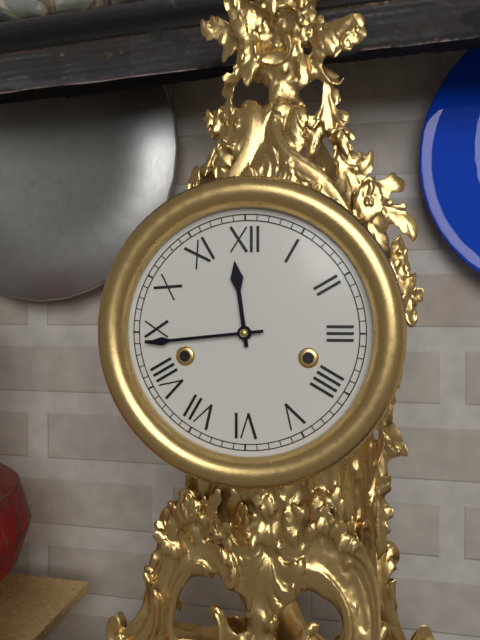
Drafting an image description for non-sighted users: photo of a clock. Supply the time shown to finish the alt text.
11:44
